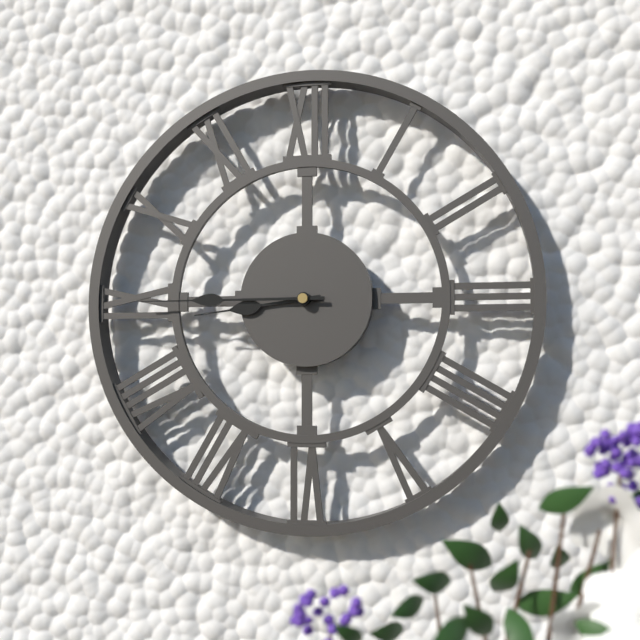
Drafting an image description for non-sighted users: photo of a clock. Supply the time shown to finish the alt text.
8:45
